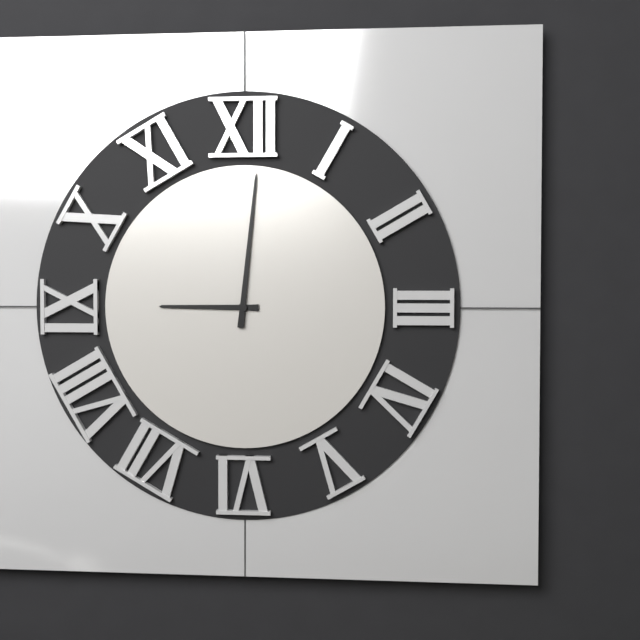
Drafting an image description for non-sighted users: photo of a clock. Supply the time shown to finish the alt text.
9:01
